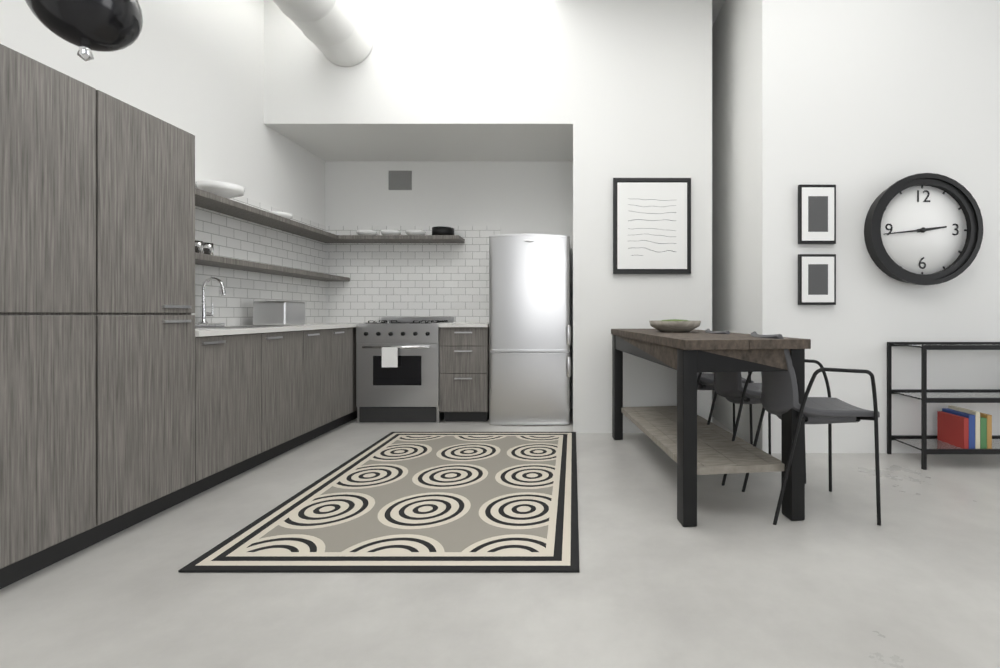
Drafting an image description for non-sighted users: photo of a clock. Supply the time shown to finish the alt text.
2:44
